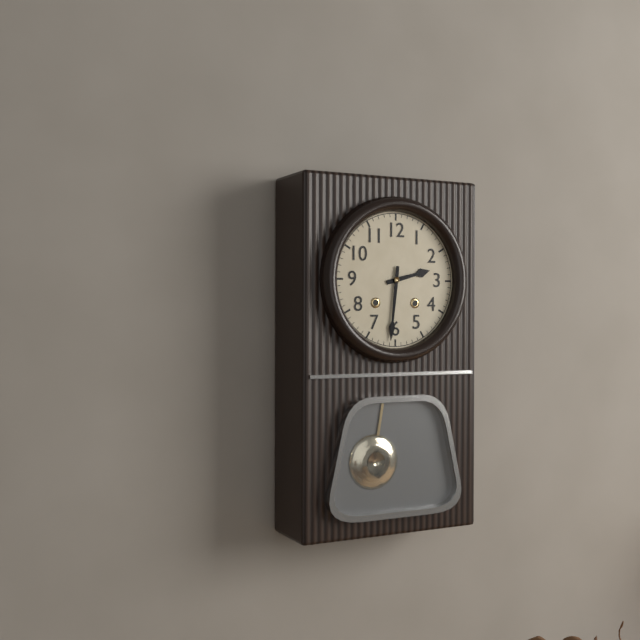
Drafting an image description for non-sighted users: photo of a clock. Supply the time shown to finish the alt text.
2:31
